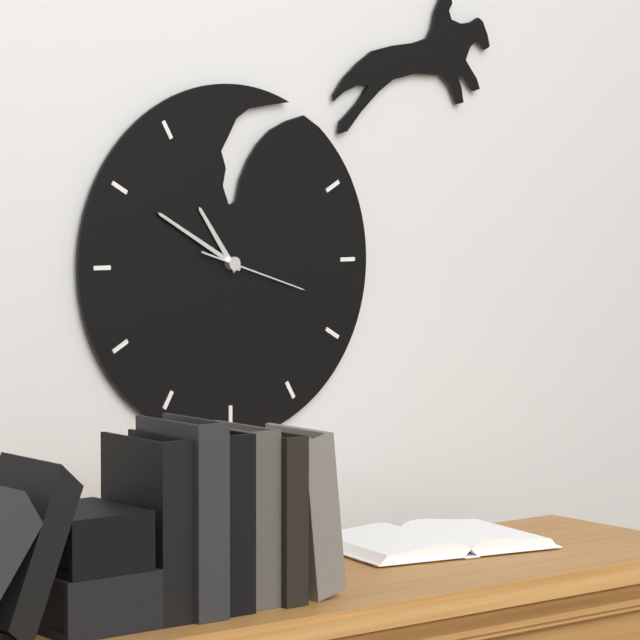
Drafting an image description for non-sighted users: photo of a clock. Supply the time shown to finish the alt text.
10:50:18
